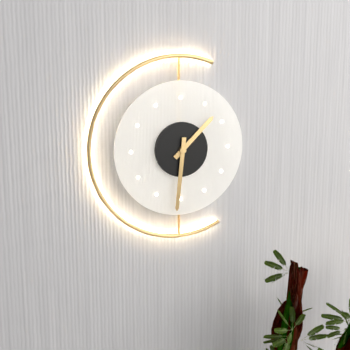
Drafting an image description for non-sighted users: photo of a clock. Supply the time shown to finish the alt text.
1:31
